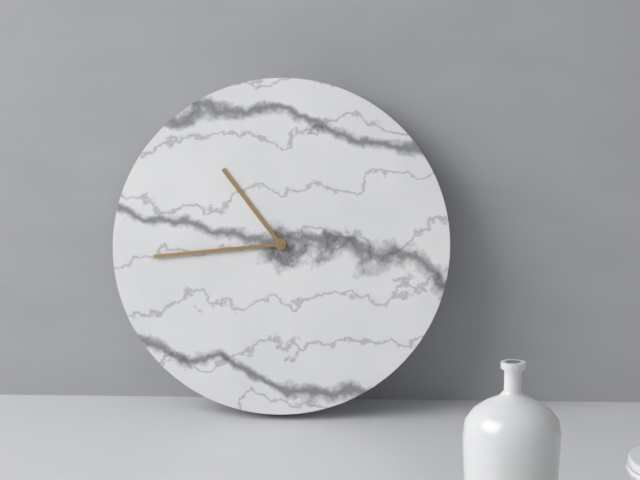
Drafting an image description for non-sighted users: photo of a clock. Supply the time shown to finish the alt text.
10:44
